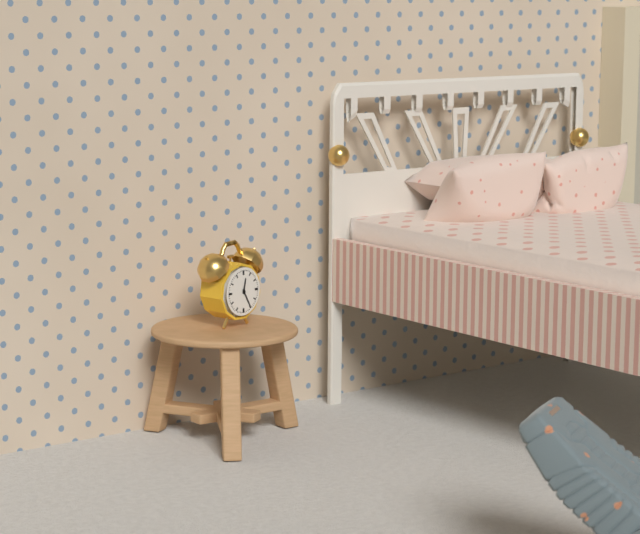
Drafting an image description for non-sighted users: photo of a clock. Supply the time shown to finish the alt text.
12:25
